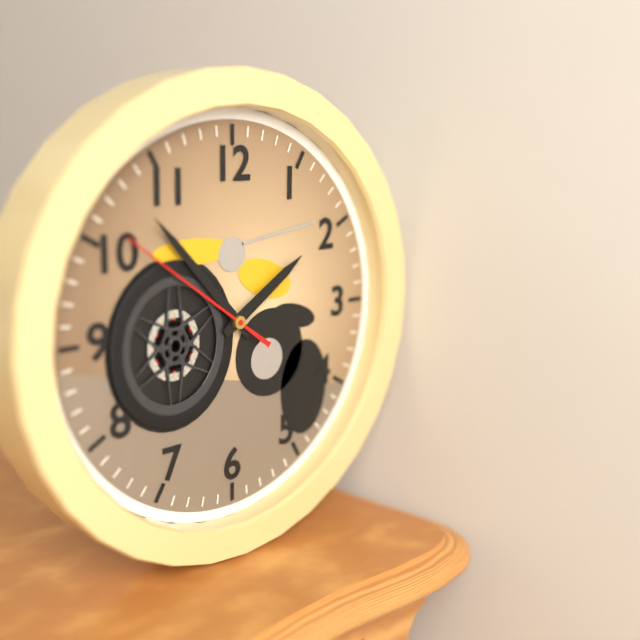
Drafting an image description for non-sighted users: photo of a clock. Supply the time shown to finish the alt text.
1:53:51
